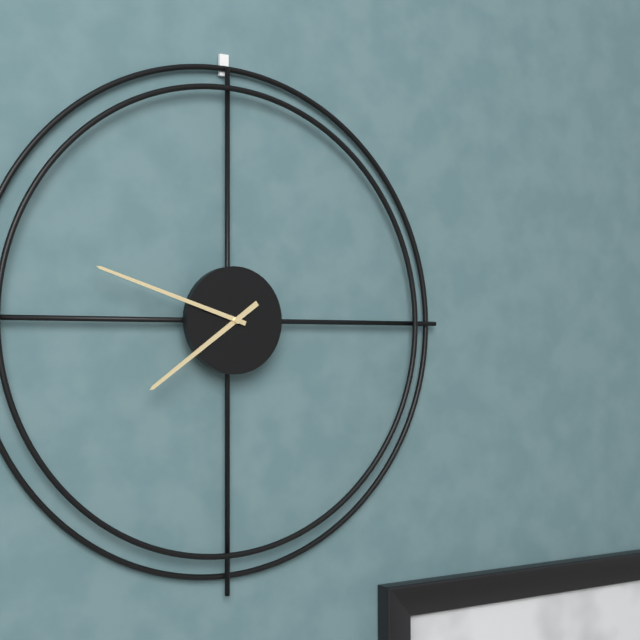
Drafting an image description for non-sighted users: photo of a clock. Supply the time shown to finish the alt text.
7:48
